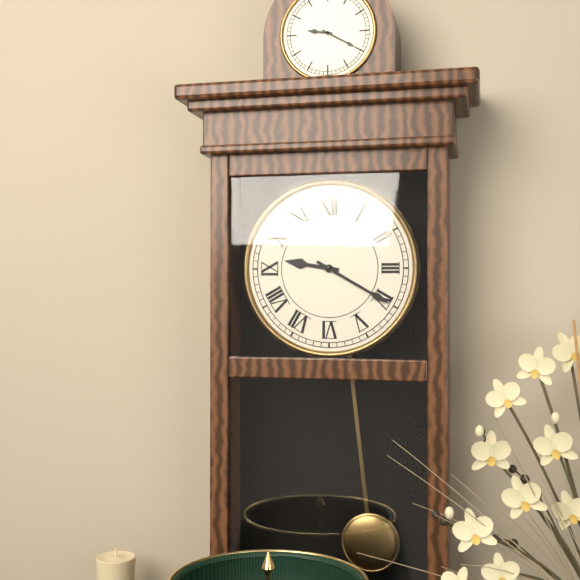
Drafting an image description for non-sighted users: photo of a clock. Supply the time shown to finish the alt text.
9:20
